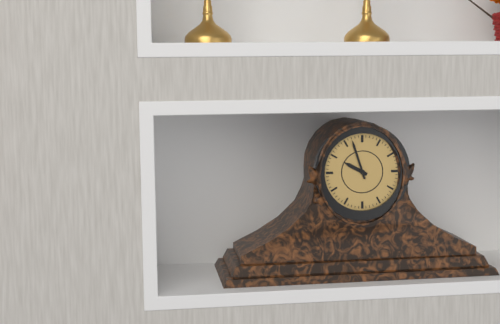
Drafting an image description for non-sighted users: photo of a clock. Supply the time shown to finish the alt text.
9:57
